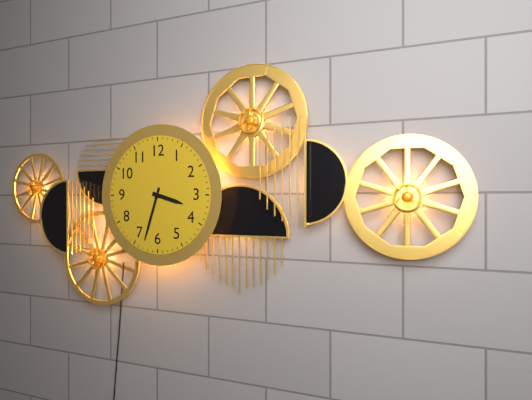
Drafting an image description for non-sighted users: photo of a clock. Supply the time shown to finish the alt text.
3:33
